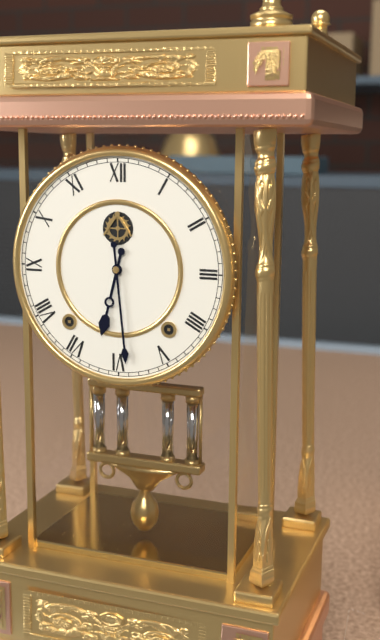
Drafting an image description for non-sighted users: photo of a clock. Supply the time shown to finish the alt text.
6:29
